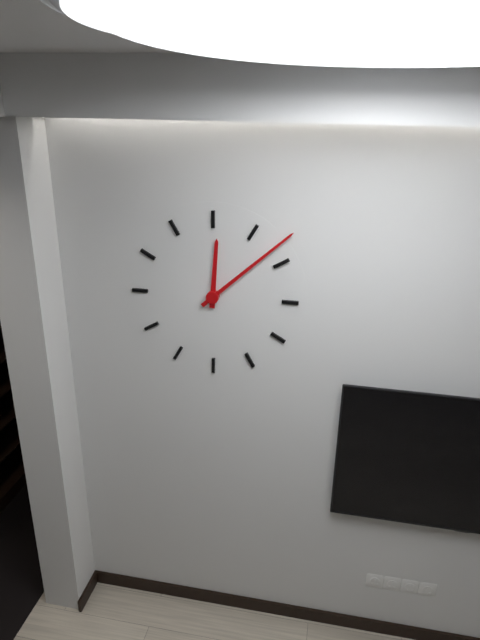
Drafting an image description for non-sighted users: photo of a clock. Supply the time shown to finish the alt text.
12:08
